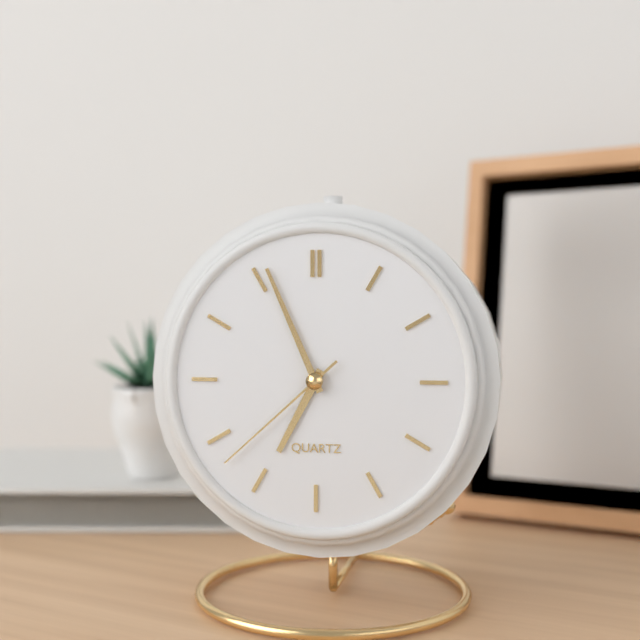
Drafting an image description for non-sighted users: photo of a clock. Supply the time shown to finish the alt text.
6:56:38
